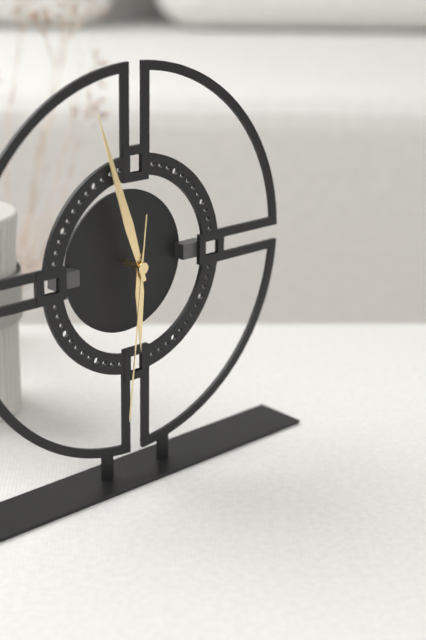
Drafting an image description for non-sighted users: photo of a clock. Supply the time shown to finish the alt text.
5:57:31
